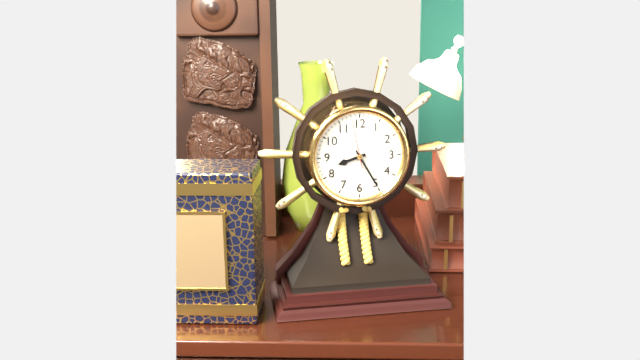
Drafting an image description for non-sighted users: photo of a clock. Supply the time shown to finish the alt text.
8:25
